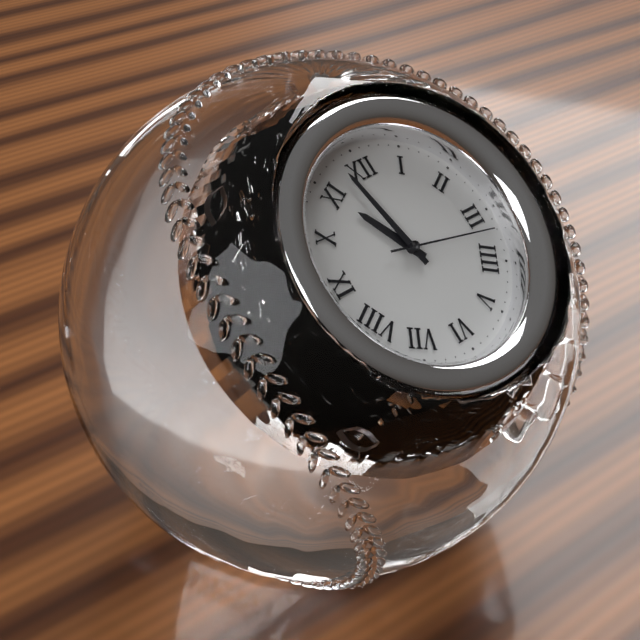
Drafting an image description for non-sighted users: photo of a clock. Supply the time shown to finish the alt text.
10:58:17
